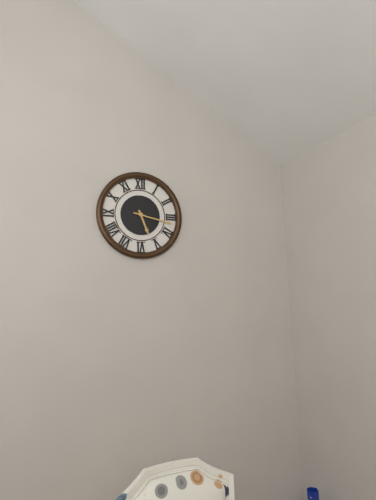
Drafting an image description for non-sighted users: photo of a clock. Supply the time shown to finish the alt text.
5:17
